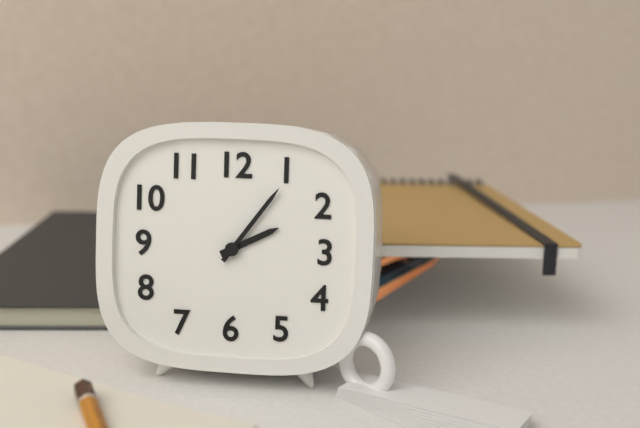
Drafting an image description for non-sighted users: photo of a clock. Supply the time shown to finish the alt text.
2:06
